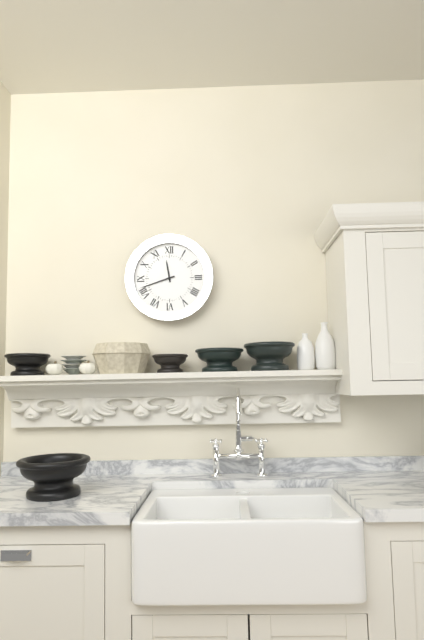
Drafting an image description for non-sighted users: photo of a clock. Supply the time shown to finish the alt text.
11:42
